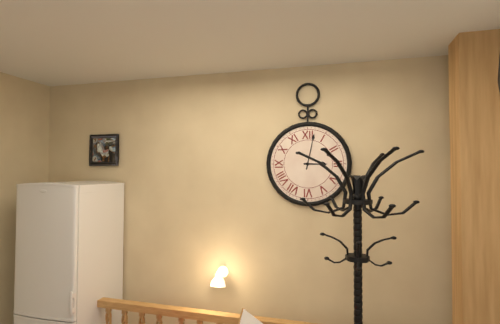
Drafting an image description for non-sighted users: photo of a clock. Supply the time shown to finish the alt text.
3:02
